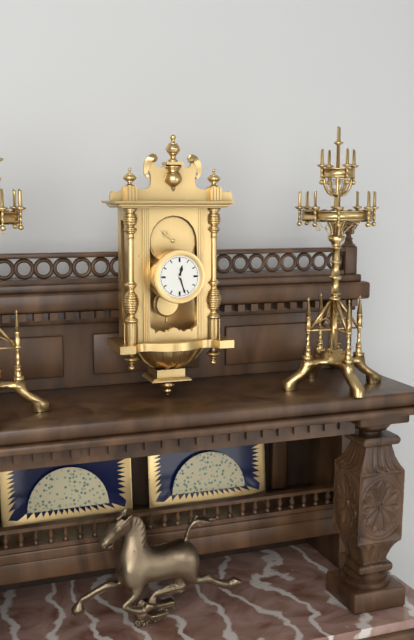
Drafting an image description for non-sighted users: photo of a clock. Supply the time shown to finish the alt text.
12:27
